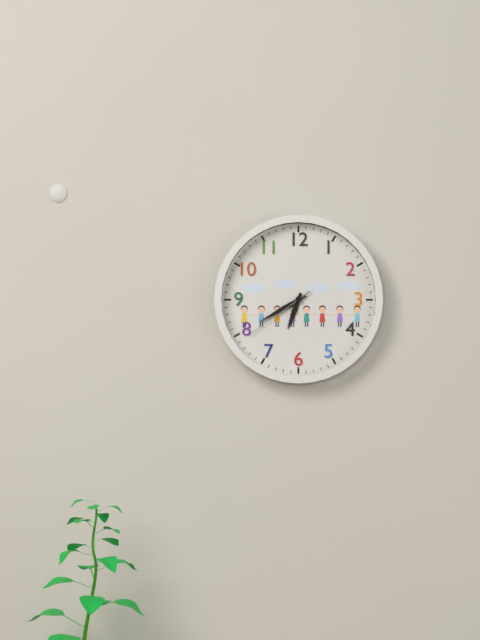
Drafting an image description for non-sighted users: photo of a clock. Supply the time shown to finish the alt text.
6:40:39
